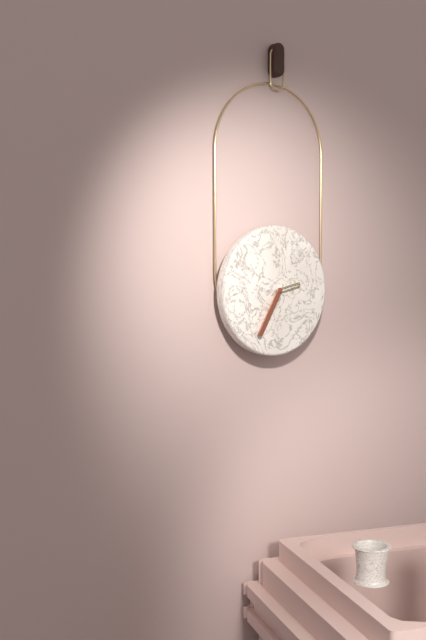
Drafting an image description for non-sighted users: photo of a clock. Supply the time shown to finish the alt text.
2:35
